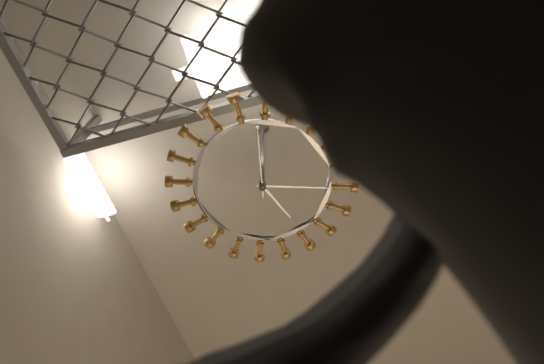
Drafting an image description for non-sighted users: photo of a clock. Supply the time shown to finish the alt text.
5:18:02
